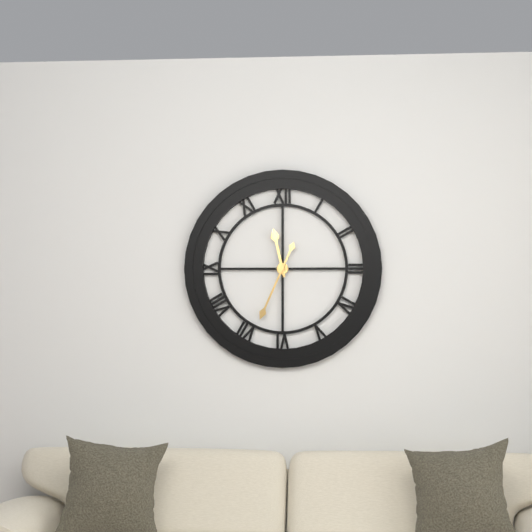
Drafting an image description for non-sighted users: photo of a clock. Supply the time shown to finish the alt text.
11:34
